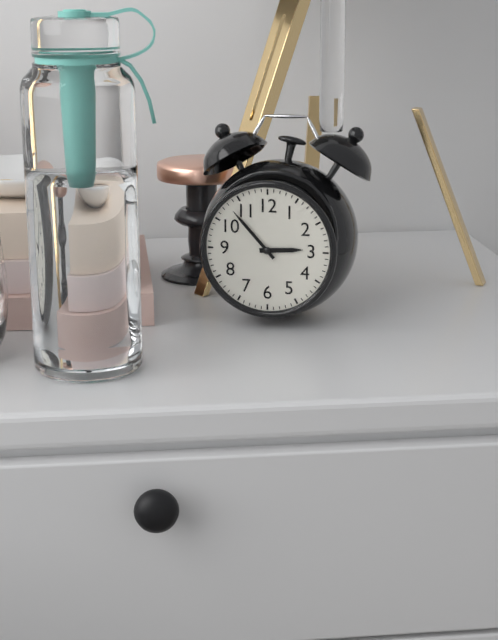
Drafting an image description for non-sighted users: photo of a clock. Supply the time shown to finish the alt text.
2:53
